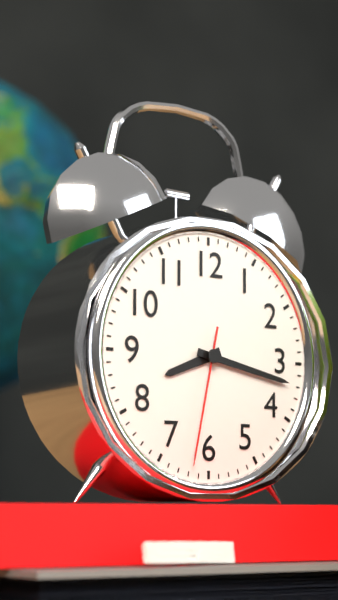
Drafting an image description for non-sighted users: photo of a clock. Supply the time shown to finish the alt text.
8:17:32
